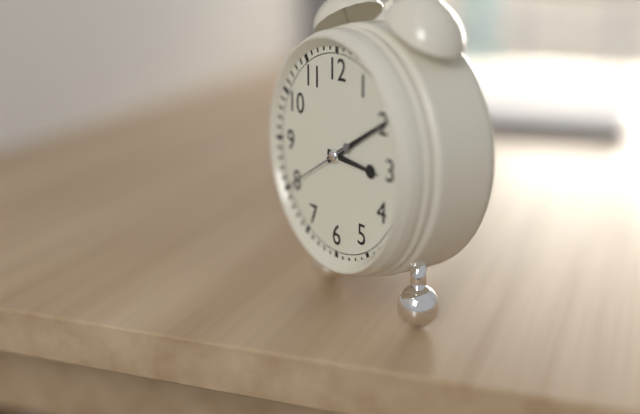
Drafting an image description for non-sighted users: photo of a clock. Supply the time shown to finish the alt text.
3:10:40
